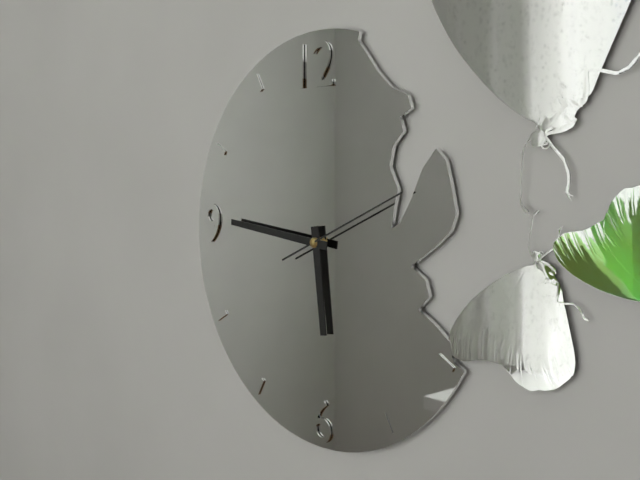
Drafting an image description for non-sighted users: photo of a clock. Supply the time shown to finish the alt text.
5:46:11
